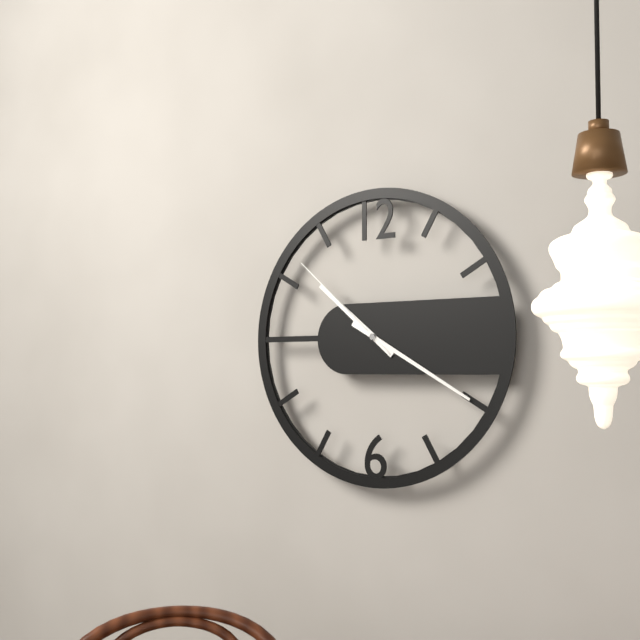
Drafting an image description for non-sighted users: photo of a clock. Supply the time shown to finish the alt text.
10:20:52
